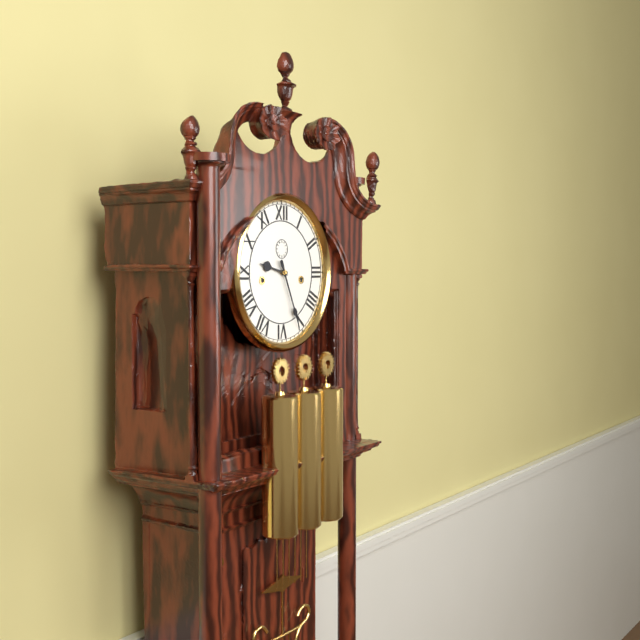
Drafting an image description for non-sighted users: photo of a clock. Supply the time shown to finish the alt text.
9:26
